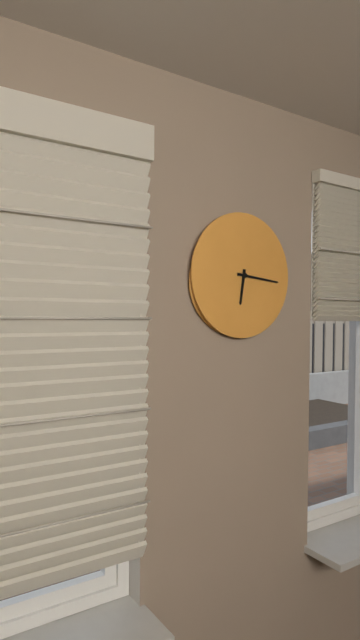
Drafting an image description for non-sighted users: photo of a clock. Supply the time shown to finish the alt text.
6:16
